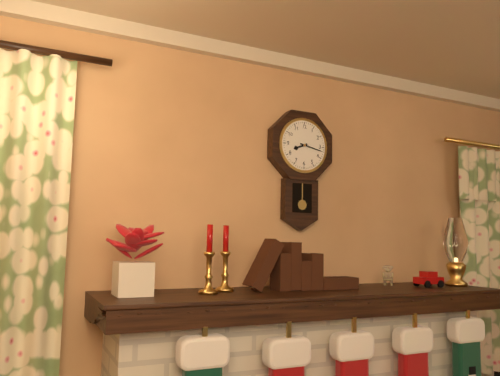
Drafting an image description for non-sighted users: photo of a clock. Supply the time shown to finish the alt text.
8:17
